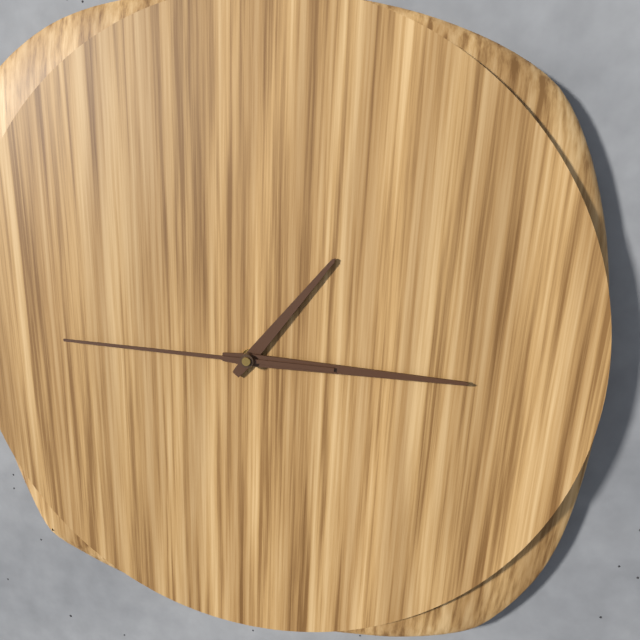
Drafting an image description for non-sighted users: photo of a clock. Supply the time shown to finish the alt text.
1:15:45
